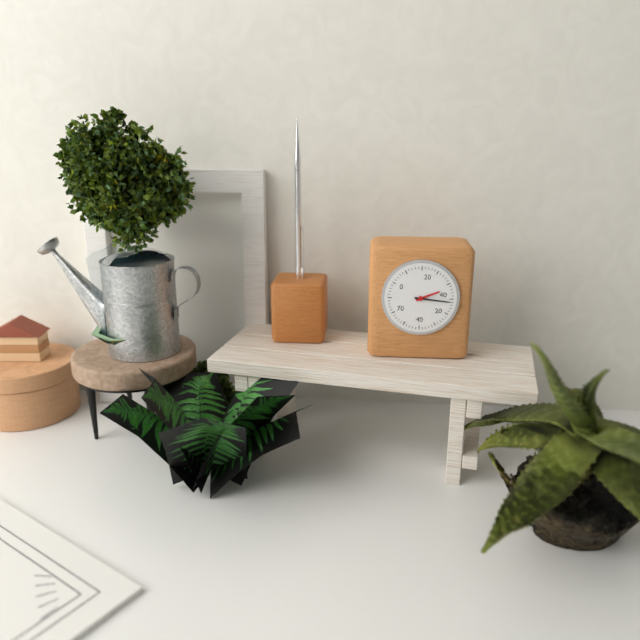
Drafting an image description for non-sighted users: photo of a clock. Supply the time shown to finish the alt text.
2:16
